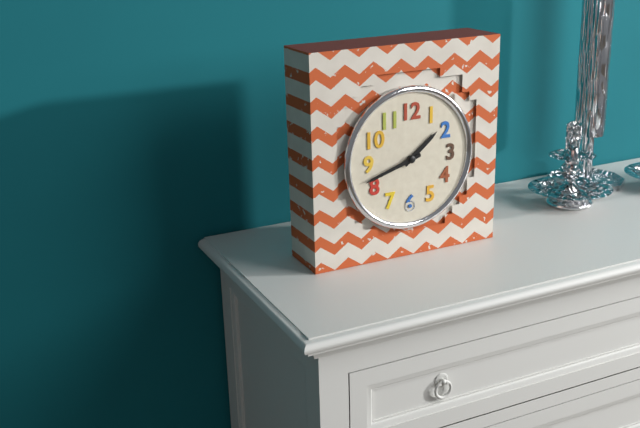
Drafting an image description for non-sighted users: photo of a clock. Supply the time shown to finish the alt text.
1:42
